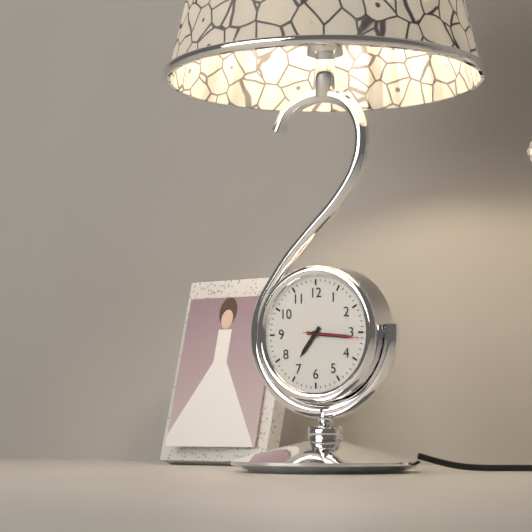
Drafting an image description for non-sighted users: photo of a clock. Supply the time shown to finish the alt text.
7:16:16
